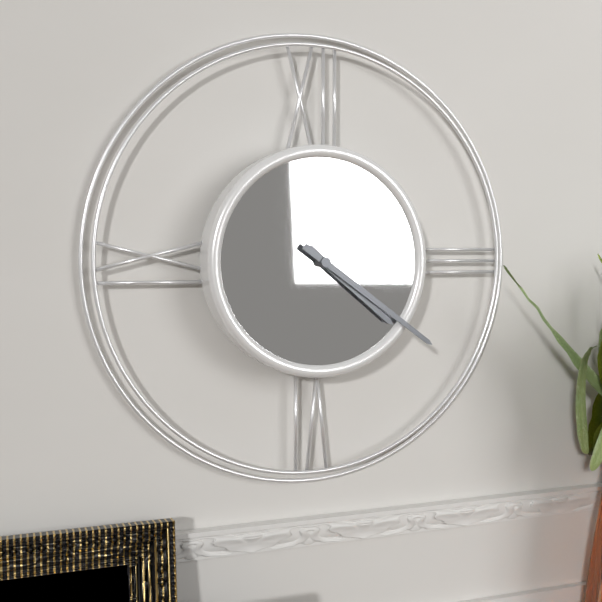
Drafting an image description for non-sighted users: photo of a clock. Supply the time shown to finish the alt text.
4:21
